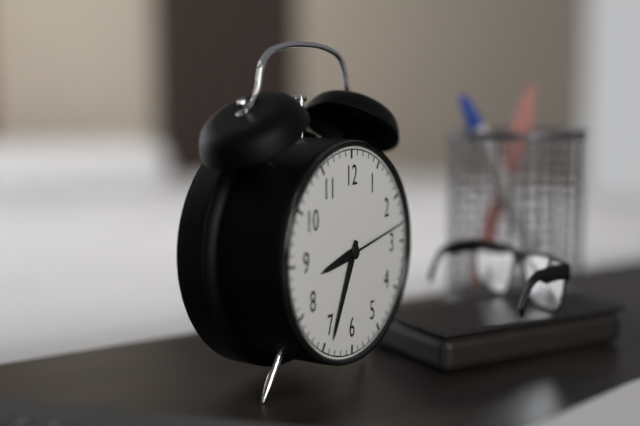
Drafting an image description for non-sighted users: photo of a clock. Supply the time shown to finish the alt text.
8:34:13
